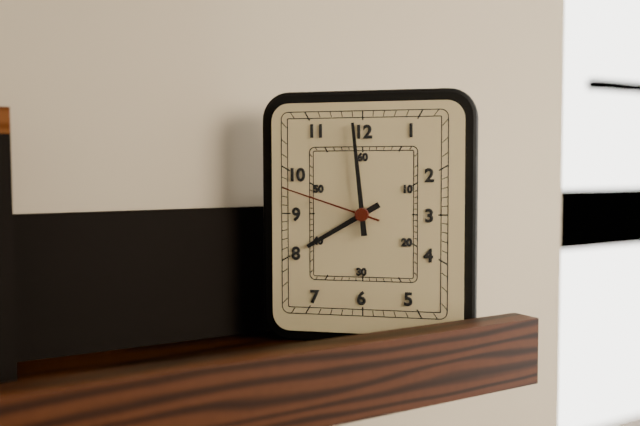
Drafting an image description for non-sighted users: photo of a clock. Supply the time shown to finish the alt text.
7:59:48
